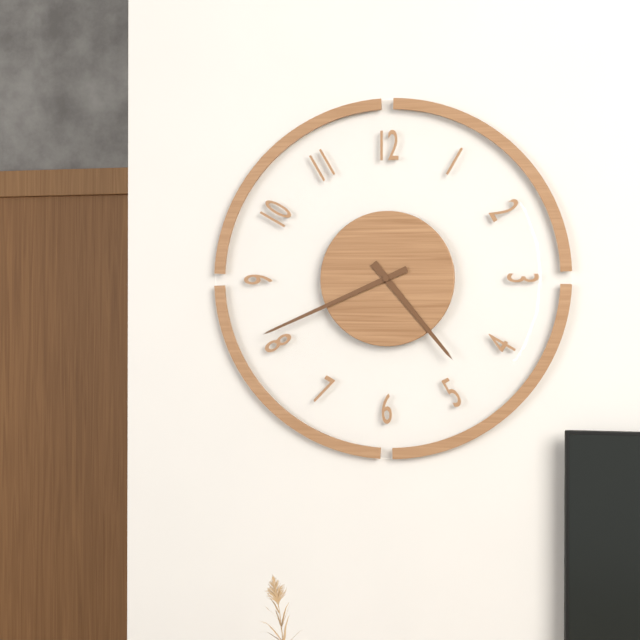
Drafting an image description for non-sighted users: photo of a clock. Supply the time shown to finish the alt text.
4:41
